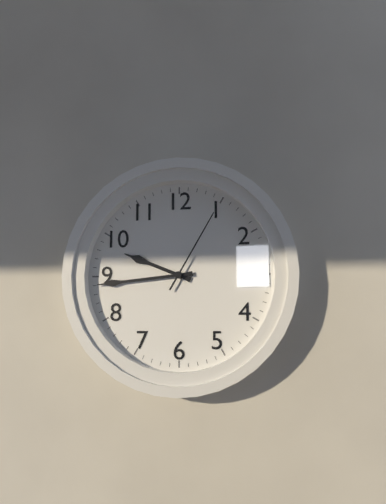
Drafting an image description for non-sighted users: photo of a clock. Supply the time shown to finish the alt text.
9:44:05
